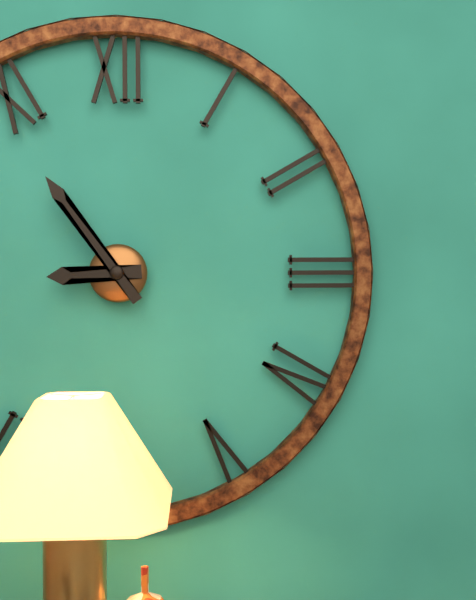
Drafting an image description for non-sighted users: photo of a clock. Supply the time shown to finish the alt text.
8:54
